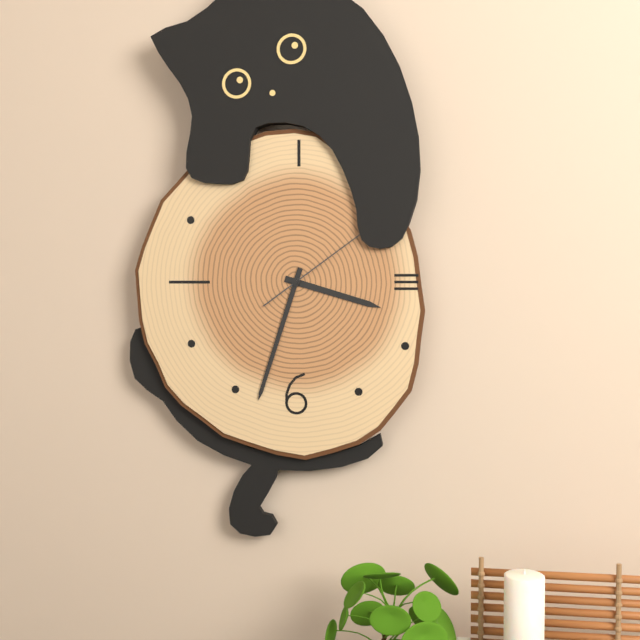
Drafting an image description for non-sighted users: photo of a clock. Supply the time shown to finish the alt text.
3:33
